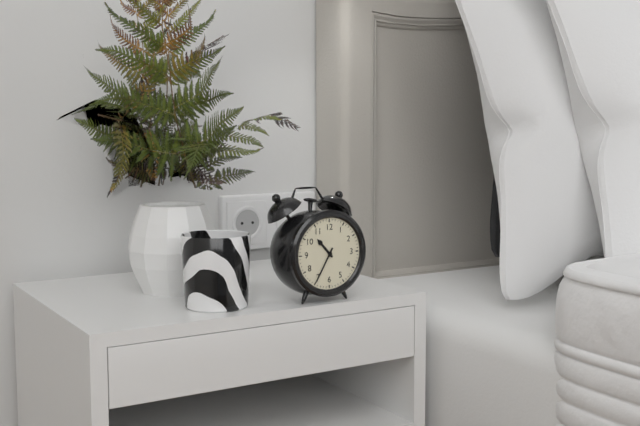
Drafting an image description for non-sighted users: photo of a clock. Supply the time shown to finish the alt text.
10:35
